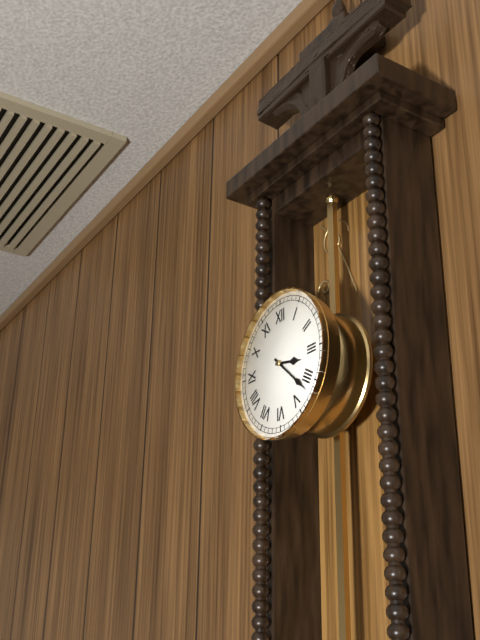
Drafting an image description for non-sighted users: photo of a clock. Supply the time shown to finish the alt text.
3:22
